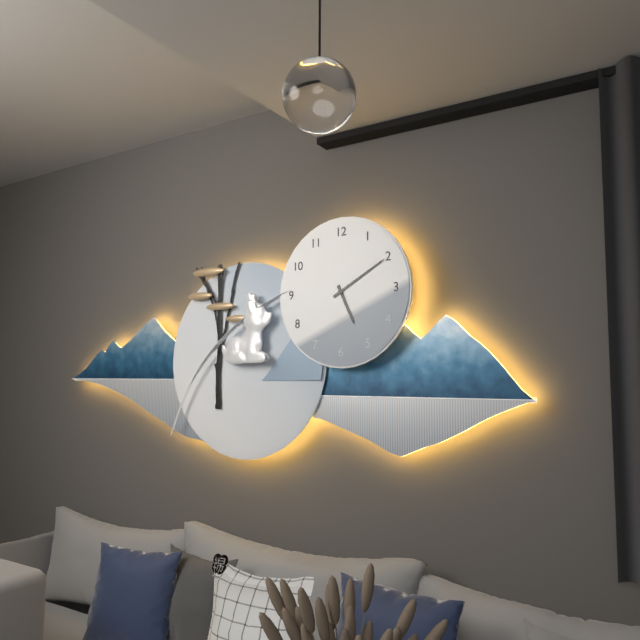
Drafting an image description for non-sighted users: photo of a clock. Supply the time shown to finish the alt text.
5:10
